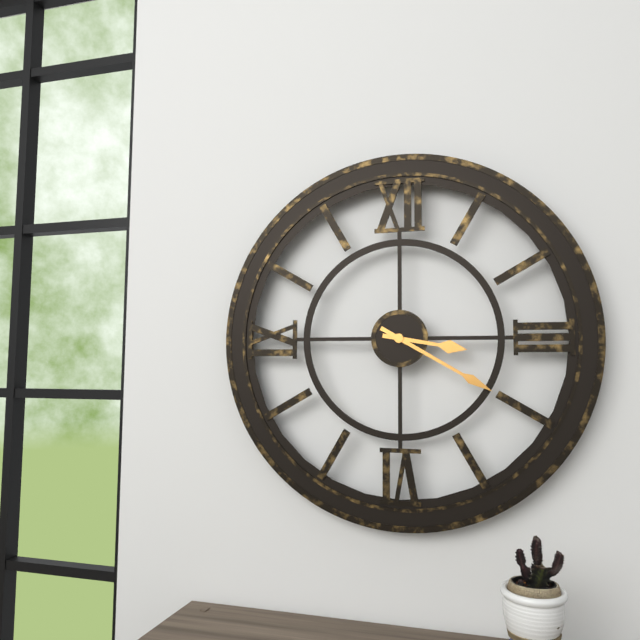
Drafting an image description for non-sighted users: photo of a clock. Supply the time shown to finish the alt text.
3:20
